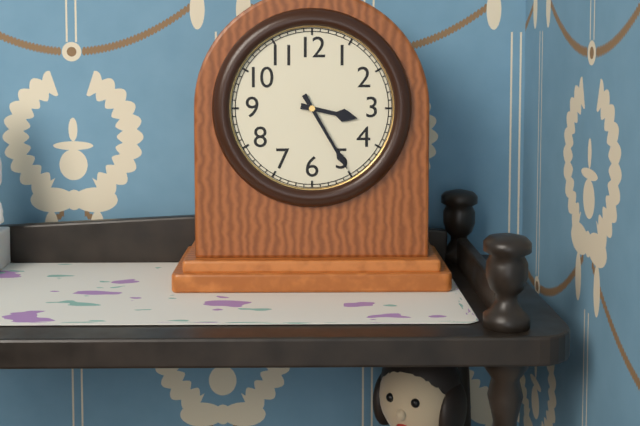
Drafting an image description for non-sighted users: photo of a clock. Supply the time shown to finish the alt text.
3:25
